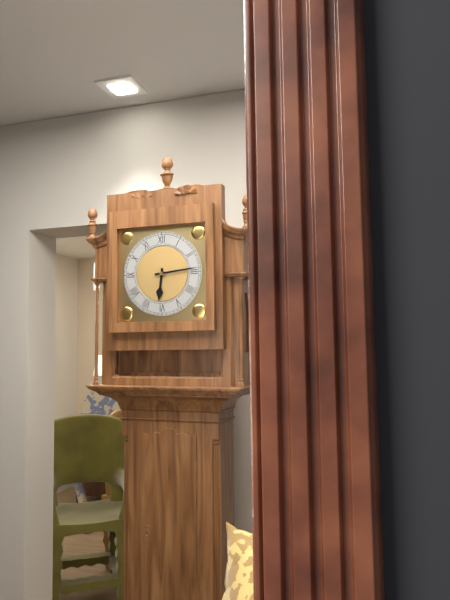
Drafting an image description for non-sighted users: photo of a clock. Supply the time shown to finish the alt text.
6:14
